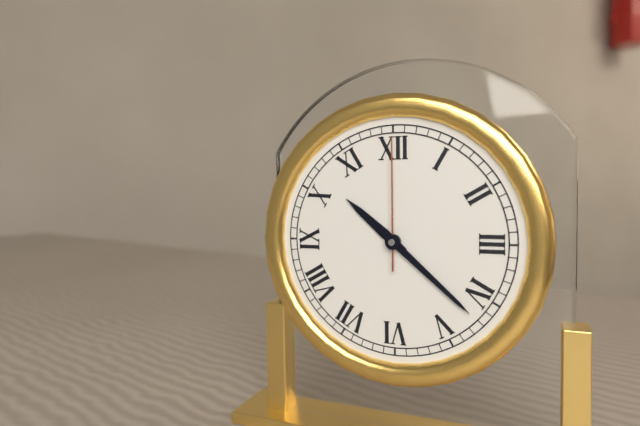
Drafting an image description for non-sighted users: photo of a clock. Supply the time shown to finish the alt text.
10:22:00
